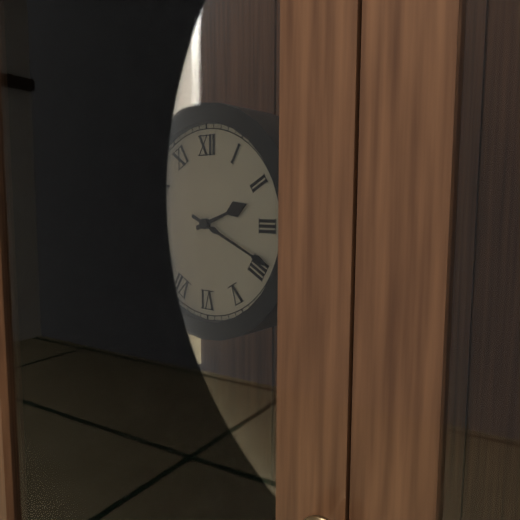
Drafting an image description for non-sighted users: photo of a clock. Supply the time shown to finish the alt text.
2:19
